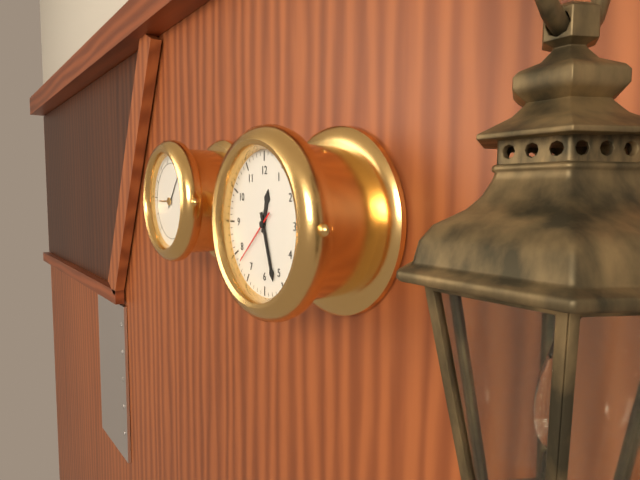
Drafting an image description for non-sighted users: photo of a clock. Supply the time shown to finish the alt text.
12:27:38
